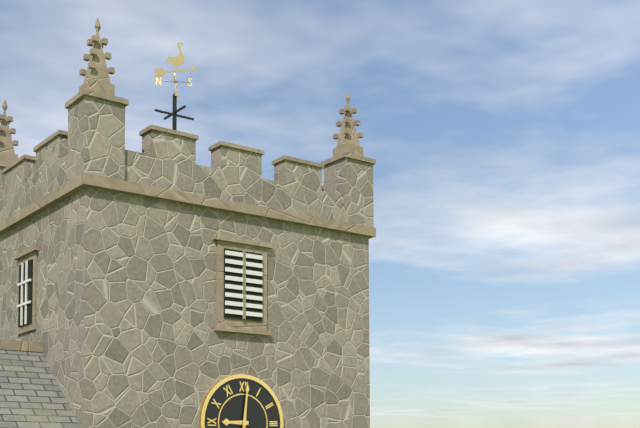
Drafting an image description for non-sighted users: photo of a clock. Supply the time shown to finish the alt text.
9:01
